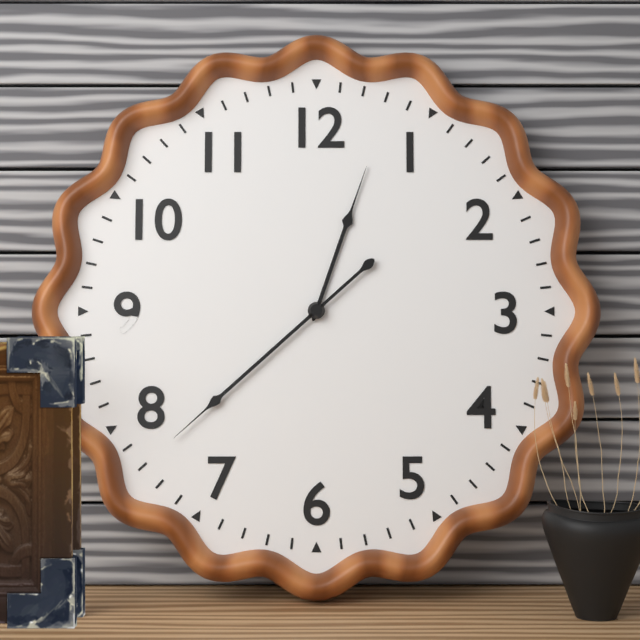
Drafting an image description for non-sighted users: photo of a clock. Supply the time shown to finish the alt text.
12:38
